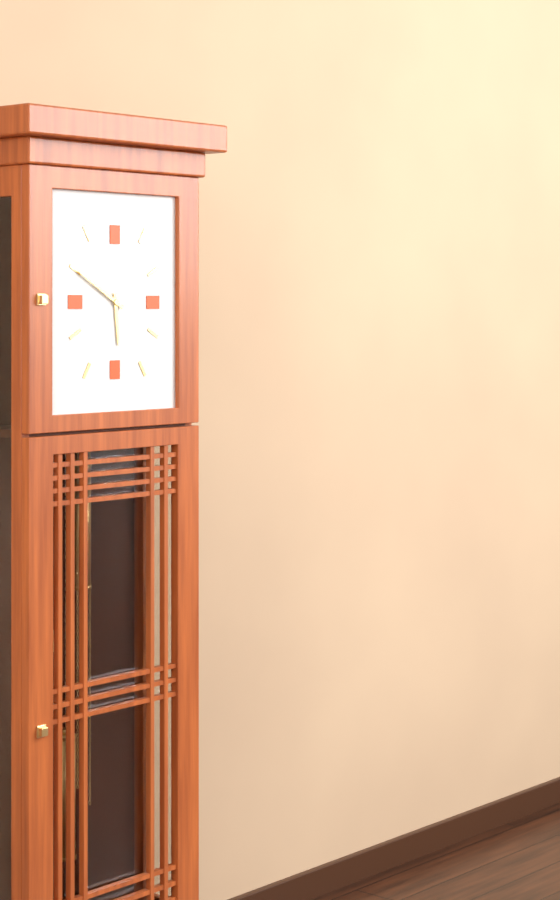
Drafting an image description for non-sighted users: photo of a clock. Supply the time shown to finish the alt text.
5:50
